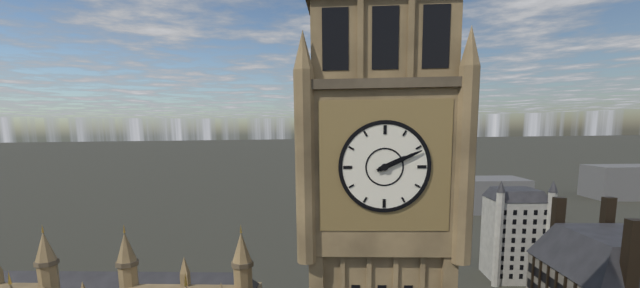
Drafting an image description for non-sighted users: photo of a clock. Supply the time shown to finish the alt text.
2:11
